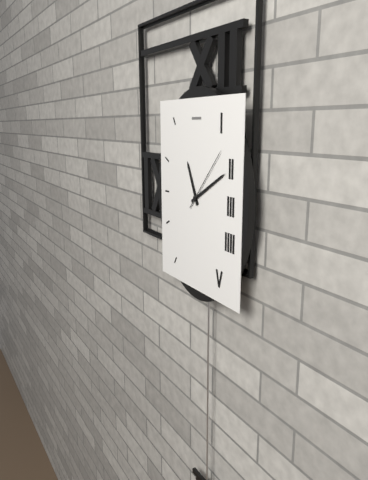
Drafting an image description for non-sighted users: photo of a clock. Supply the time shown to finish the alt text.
11:10:07
